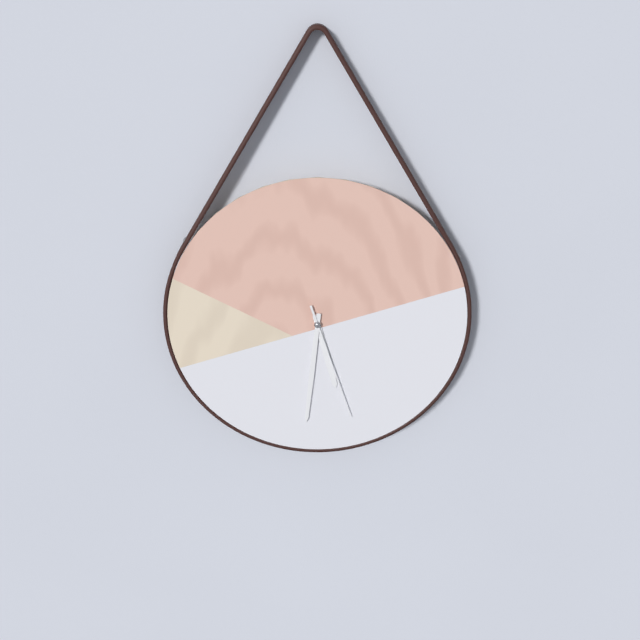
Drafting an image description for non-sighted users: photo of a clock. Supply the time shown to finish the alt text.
5:31:27
